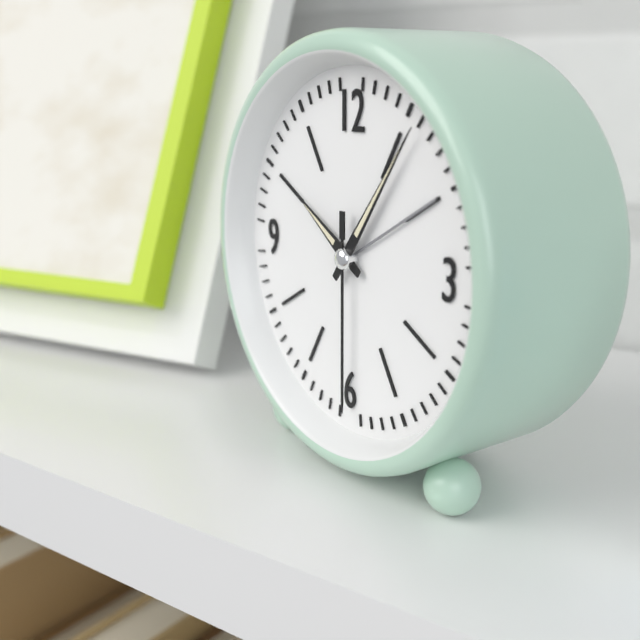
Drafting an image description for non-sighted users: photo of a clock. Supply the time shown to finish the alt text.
10:06:30
